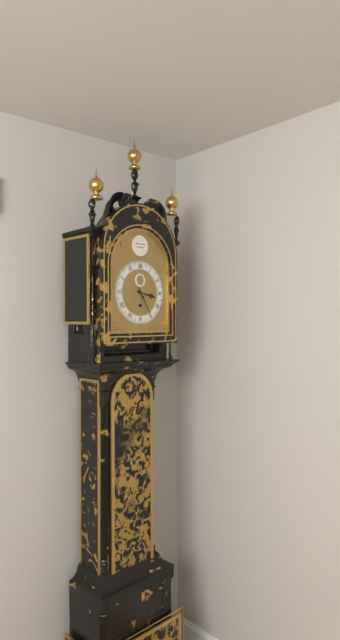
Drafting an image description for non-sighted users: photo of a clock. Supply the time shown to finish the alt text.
3:25
